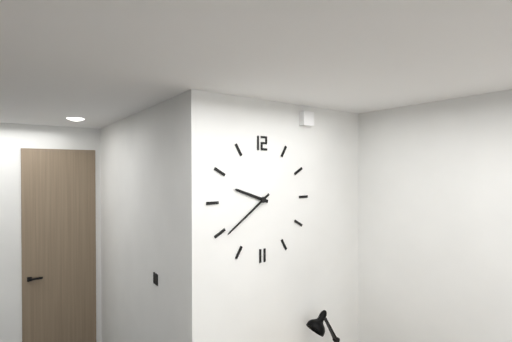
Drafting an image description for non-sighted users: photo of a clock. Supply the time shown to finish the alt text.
9:39
